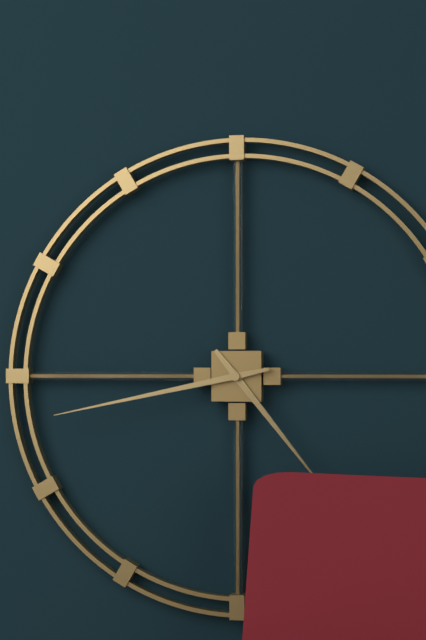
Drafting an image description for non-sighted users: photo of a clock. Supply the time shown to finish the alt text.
4:43
